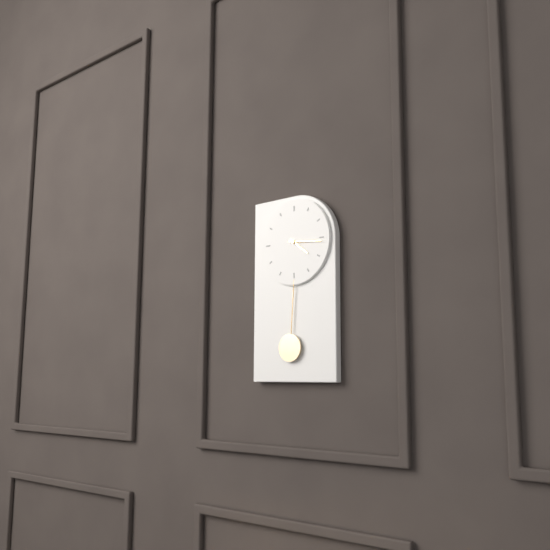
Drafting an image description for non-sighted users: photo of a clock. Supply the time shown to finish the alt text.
4:16
